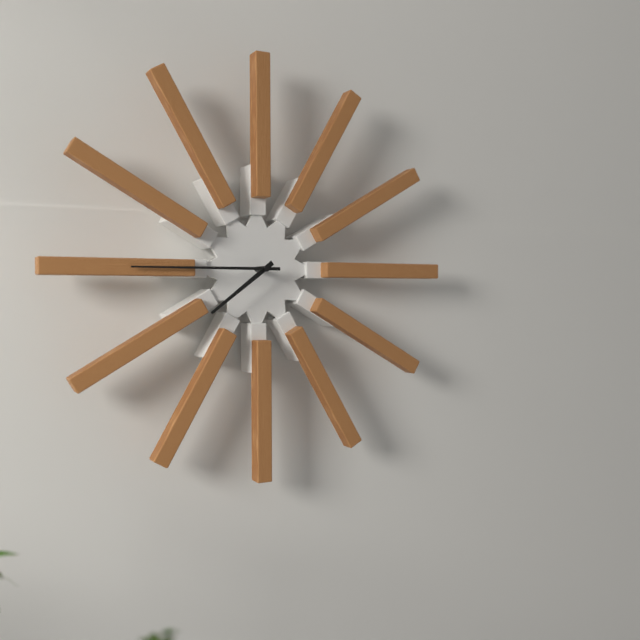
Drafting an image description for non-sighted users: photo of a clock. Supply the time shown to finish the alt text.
7:45
